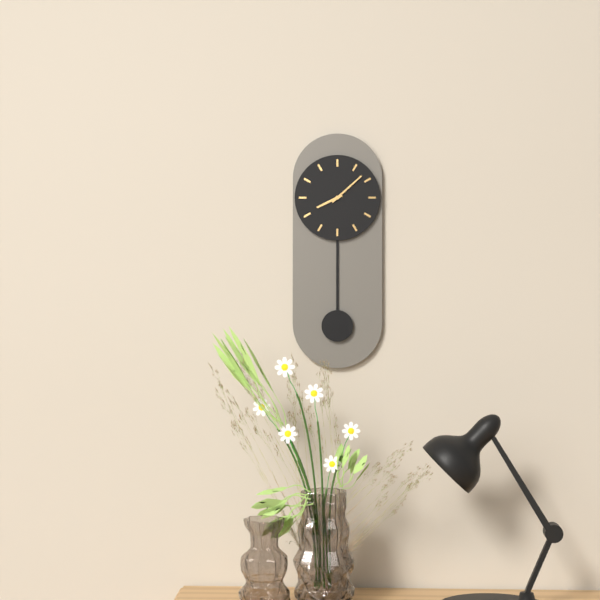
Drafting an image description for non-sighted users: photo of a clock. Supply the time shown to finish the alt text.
8:08
